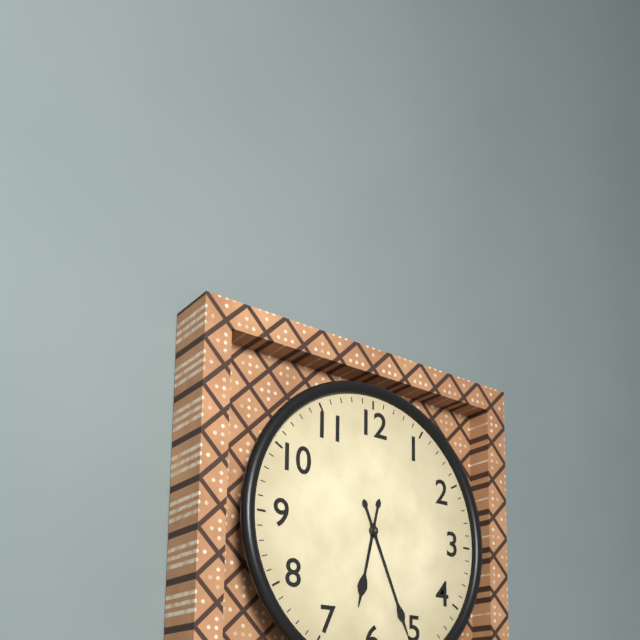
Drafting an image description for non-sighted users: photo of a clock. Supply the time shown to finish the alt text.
6:26
